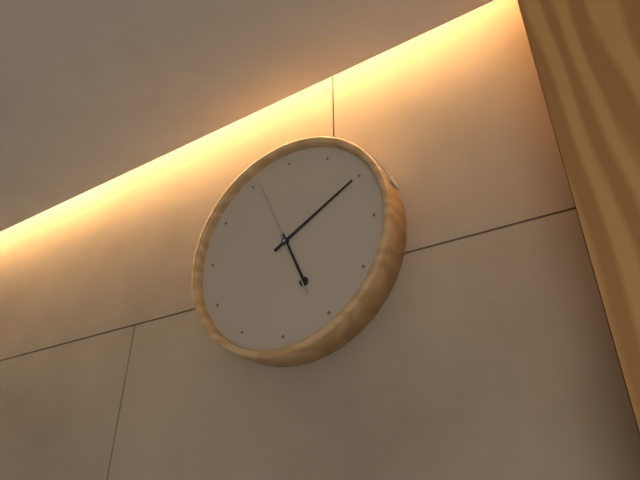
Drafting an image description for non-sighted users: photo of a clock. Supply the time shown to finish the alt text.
5:10:56
